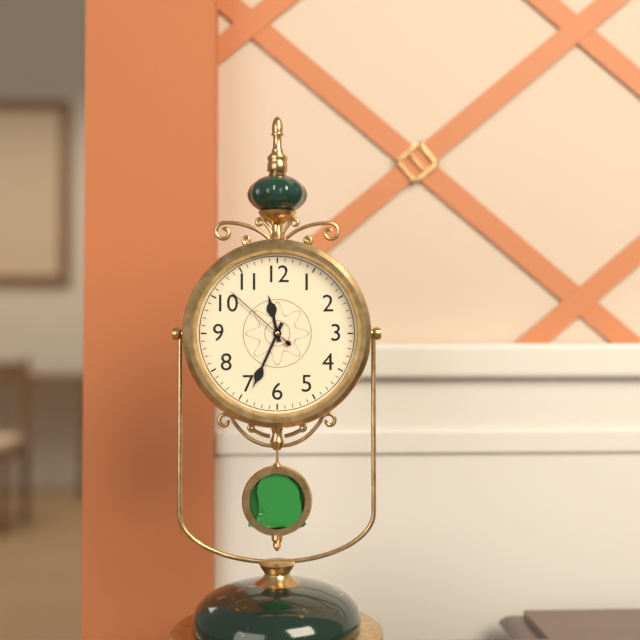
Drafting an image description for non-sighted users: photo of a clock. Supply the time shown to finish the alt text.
11:34:52
